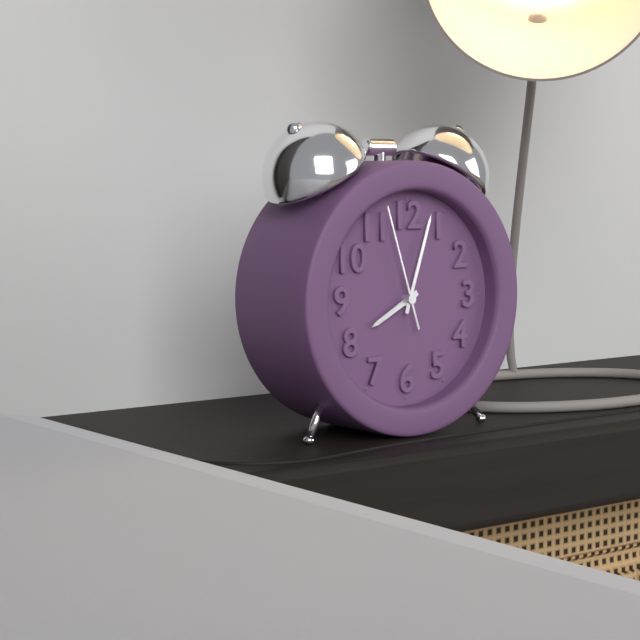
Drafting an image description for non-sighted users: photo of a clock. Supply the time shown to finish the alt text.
8:03:57
